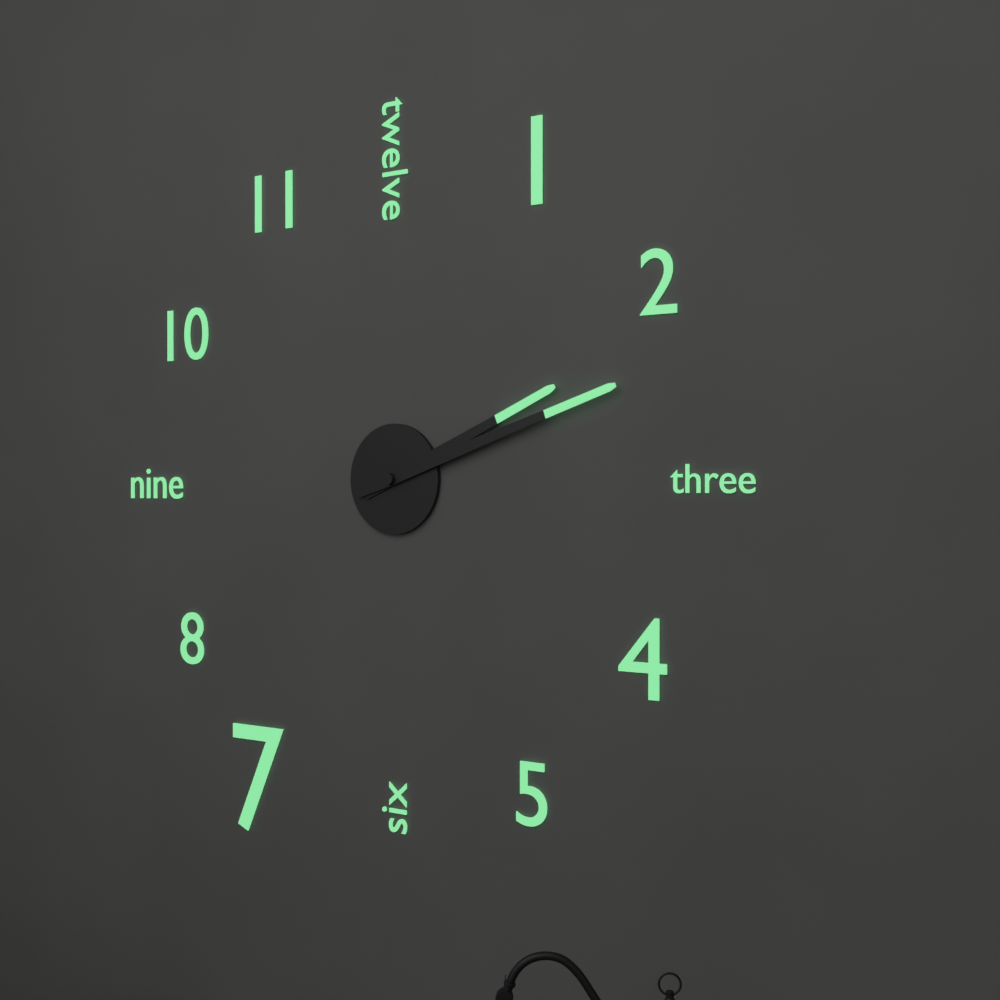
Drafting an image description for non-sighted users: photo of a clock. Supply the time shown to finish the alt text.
2:12
